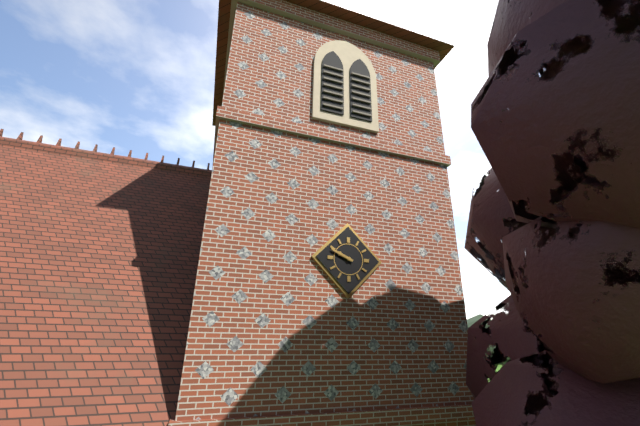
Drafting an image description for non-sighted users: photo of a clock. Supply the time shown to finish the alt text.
9:49
